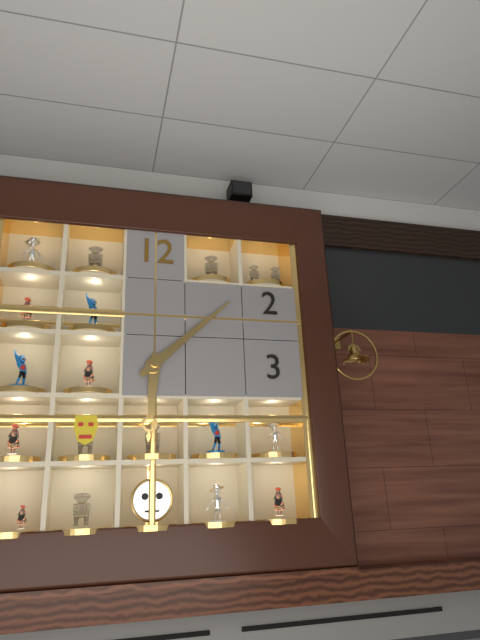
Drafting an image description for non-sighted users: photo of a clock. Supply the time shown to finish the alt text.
6:08
